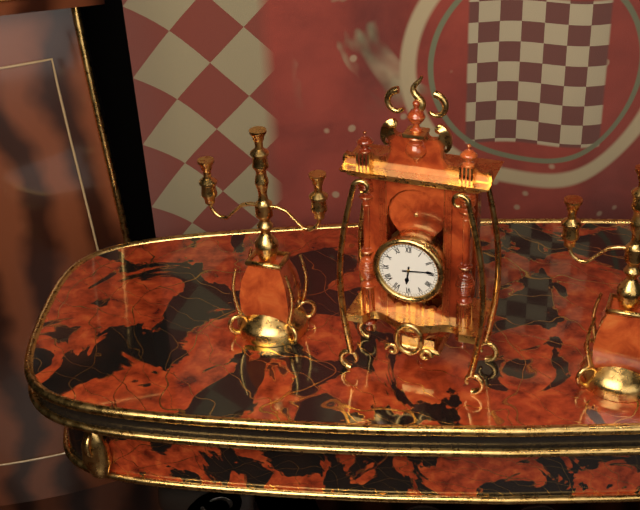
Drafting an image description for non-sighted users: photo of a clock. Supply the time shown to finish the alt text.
6:14
